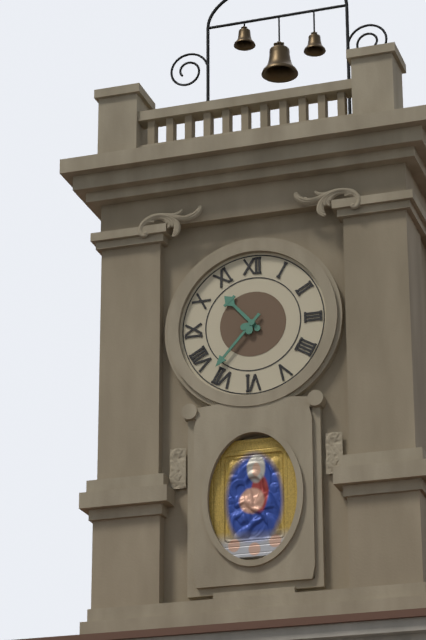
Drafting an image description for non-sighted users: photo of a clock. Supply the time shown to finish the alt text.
10:37
